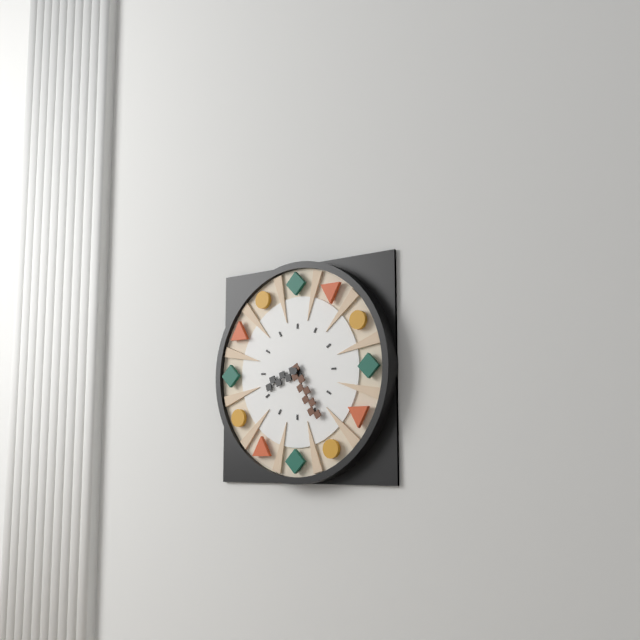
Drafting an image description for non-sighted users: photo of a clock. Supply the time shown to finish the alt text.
8:25
